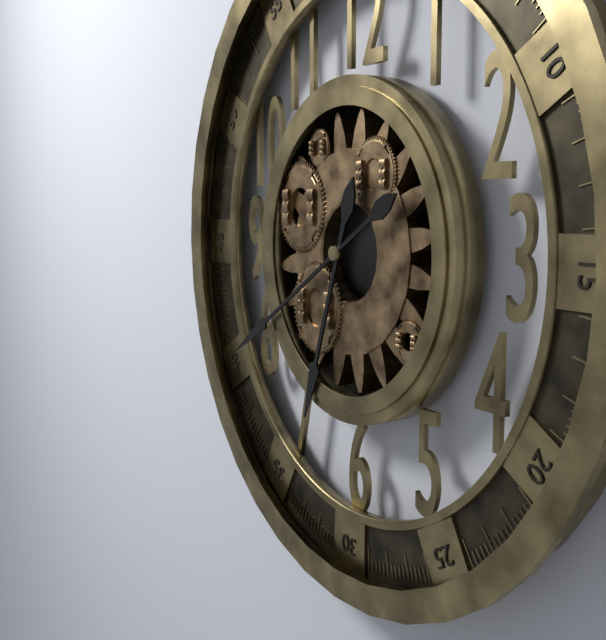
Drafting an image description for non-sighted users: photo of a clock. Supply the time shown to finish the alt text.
6:40
